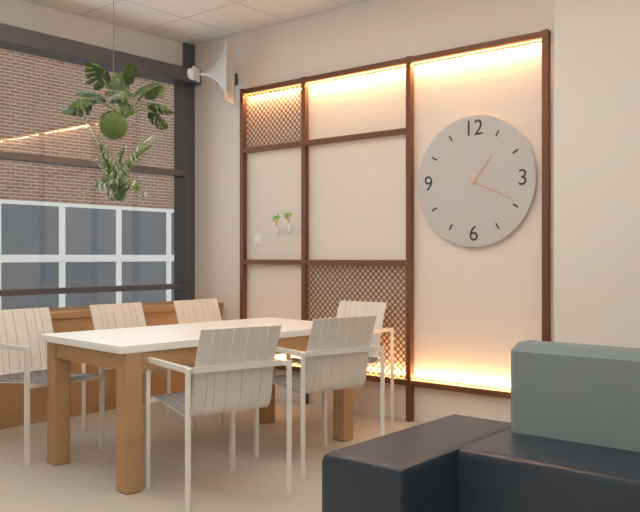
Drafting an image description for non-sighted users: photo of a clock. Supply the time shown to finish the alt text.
1:19
